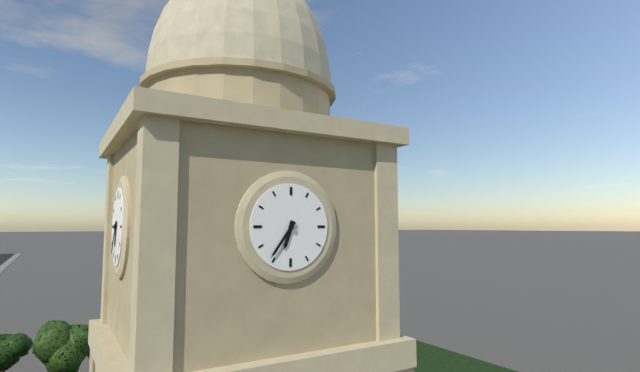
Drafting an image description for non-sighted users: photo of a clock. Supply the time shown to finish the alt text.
6:36
